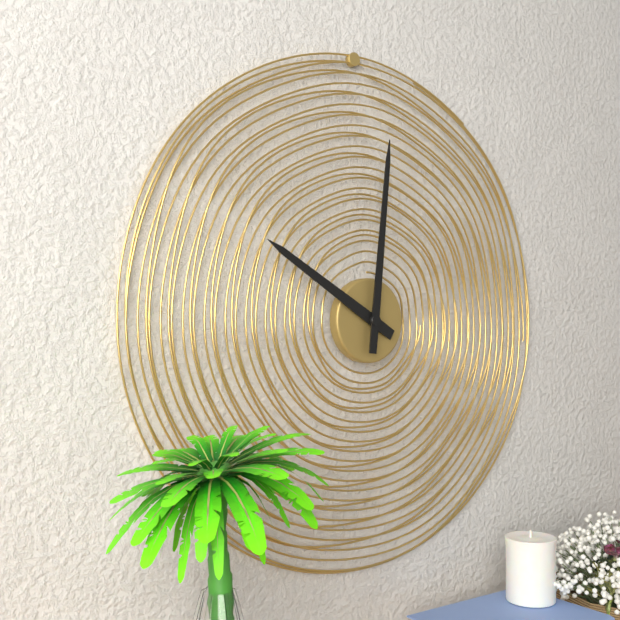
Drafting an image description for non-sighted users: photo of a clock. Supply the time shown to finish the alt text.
10:01
